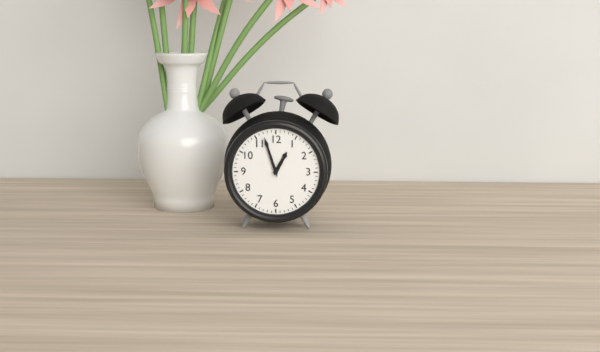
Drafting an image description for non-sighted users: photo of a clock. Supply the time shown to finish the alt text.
12:57
